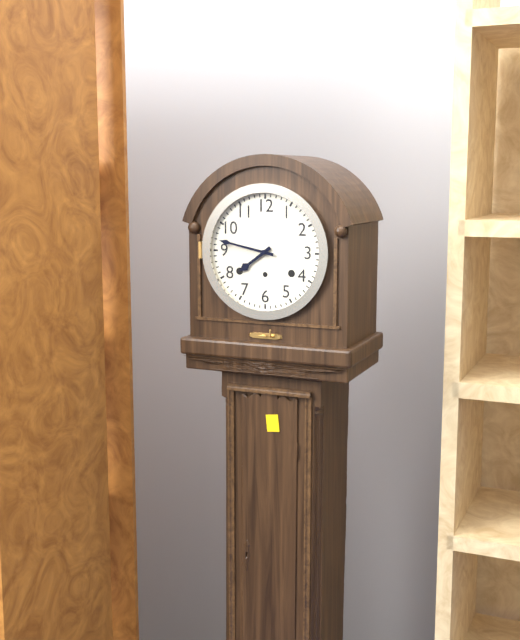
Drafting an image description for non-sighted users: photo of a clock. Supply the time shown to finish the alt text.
7:47
